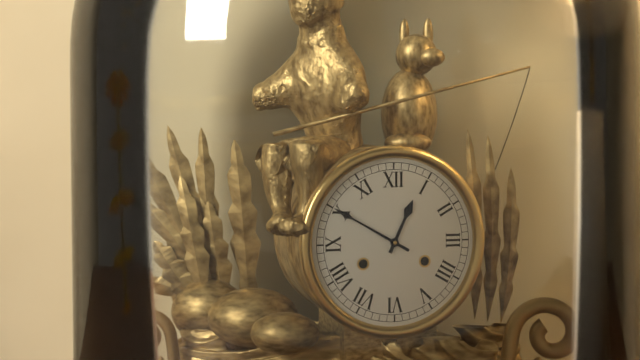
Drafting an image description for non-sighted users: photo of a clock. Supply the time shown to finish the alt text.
12:50
